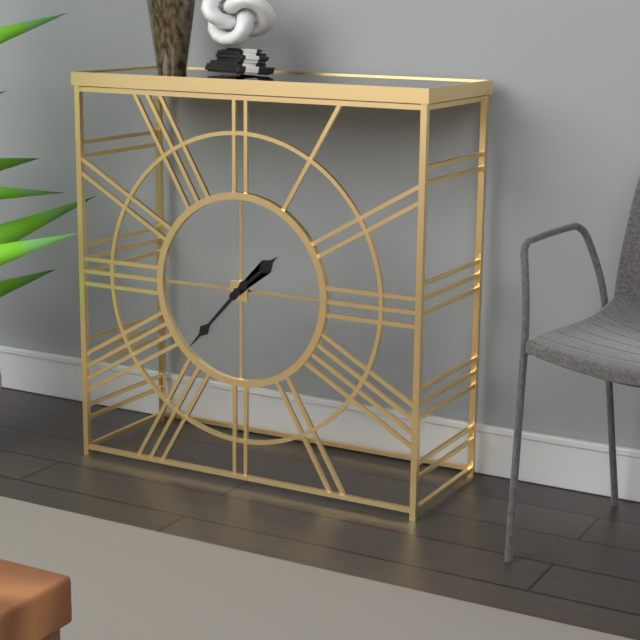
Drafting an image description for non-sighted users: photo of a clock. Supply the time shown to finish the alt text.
1:37
